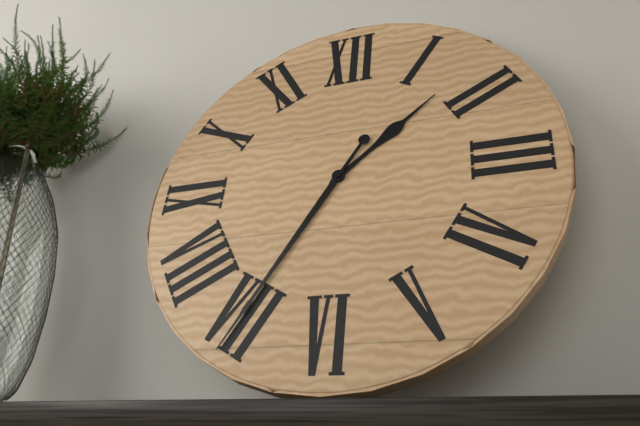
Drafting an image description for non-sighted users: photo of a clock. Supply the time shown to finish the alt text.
1:35
